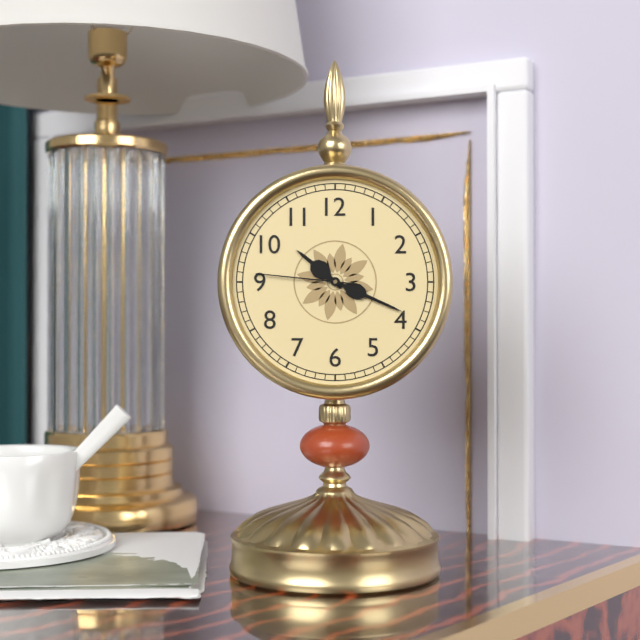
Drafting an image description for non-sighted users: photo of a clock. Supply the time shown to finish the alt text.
10:19:46
